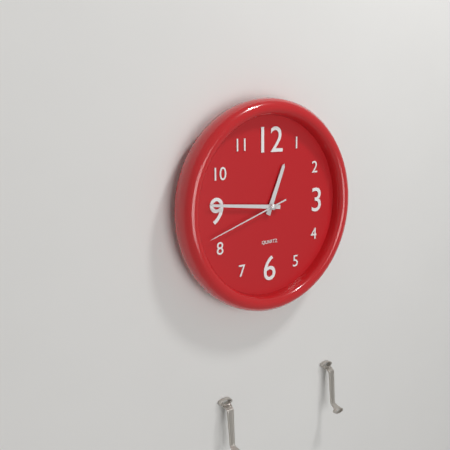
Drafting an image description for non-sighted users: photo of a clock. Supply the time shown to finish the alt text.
12:46:42
